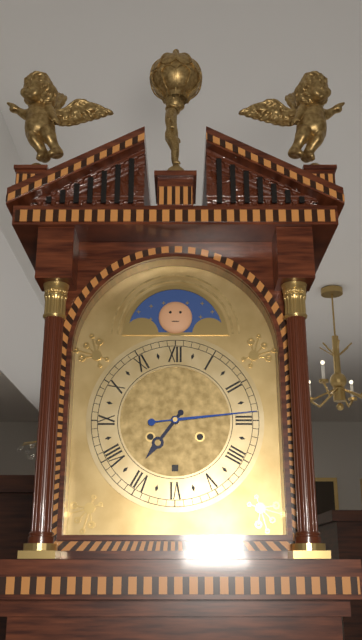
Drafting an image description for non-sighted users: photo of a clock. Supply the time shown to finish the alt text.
7:14
